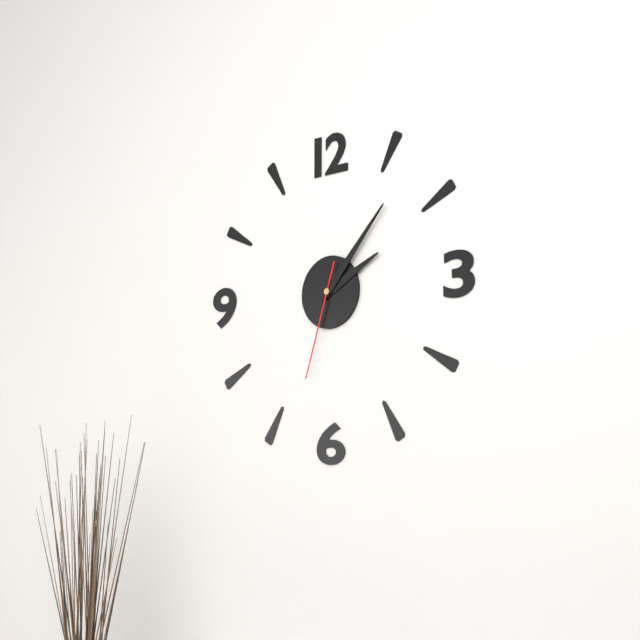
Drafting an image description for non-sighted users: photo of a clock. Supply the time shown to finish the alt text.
2:07:33
